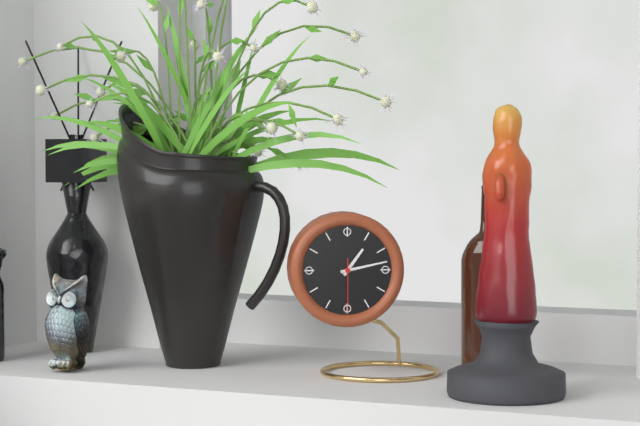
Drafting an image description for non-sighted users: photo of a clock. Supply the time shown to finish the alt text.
1:13:30
